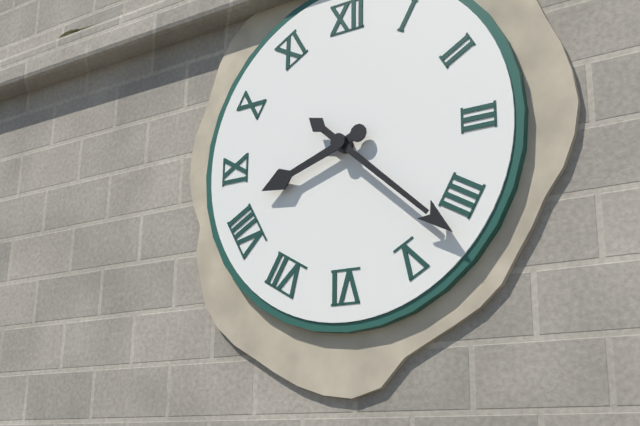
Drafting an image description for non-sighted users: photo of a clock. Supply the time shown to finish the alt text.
8:22
